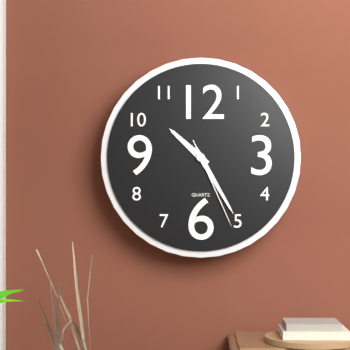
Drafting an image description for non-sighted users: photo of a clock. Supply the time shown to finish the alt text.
10:25:26
